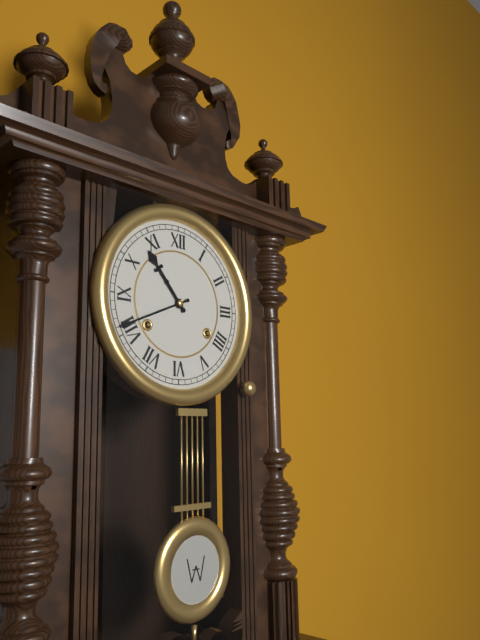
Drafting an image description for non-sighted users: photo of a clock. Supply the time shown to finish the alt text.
10:41
